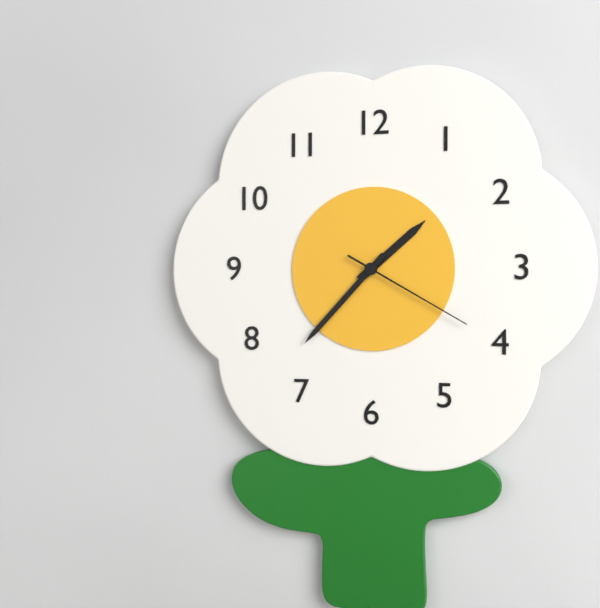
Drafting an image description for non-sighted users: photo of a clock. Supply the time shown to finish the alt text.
1:37:20
